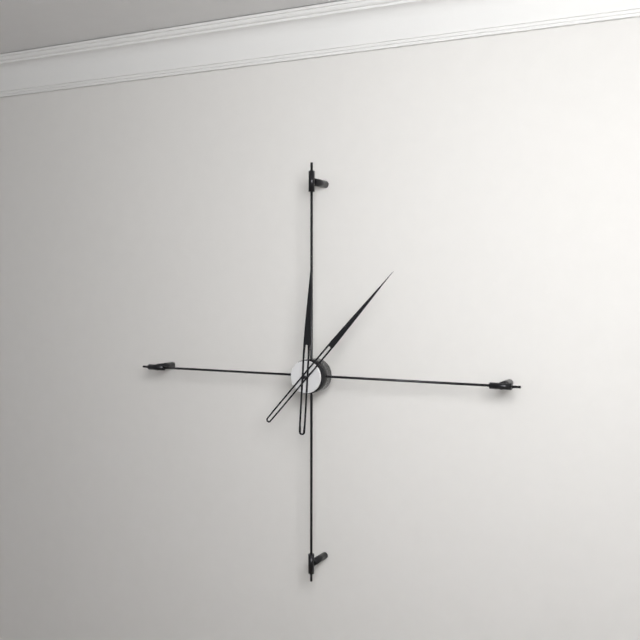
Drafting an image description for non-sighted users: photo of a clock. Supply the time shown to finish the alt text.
12:07
